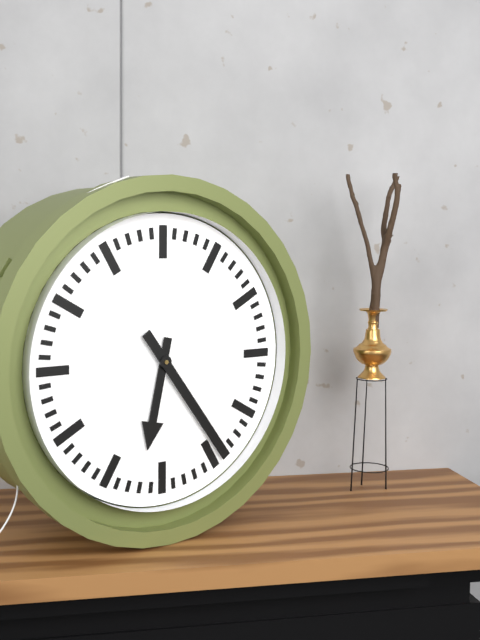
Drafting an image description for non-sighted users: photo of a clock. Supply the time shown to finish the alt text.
6:24
